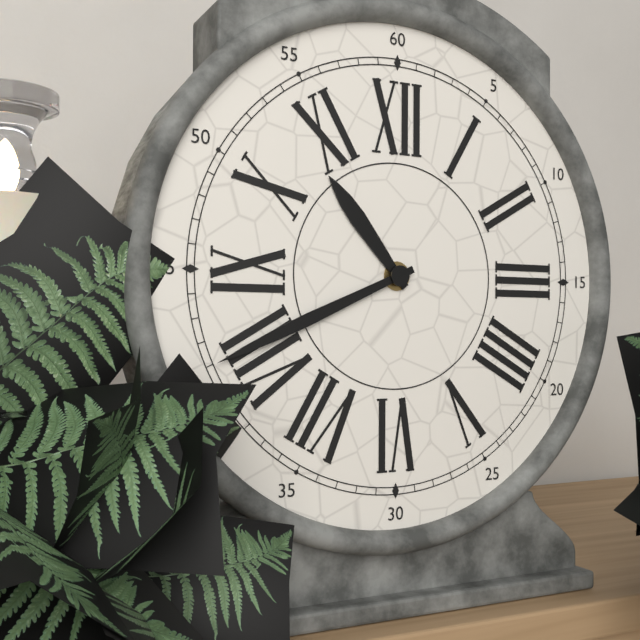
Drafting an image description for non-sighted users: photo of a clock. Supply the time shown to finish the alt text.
10:41
